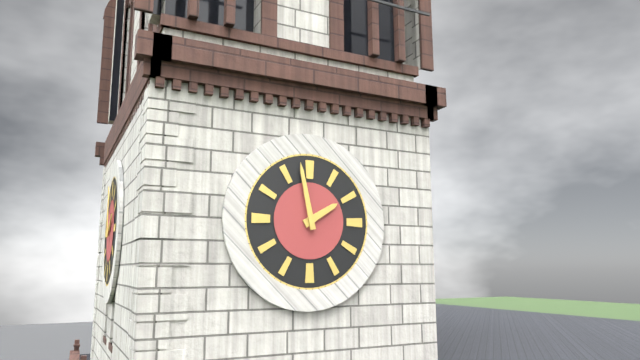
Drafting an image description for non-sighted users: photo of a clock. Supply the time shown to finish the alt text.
1:58
